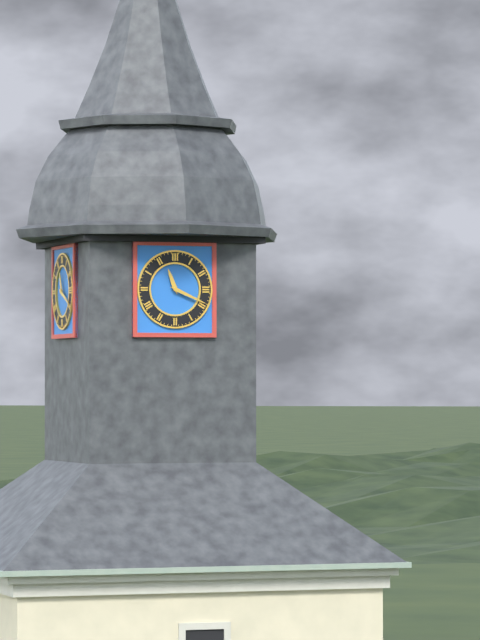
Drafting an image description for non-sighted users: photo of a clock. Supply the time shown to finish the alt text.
11:19
